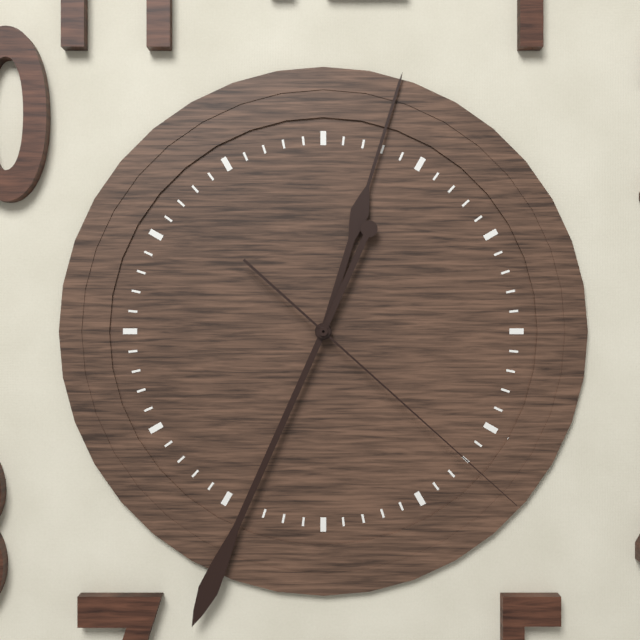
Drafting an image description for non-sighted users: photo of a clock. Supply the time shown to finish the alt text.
12:34:22
